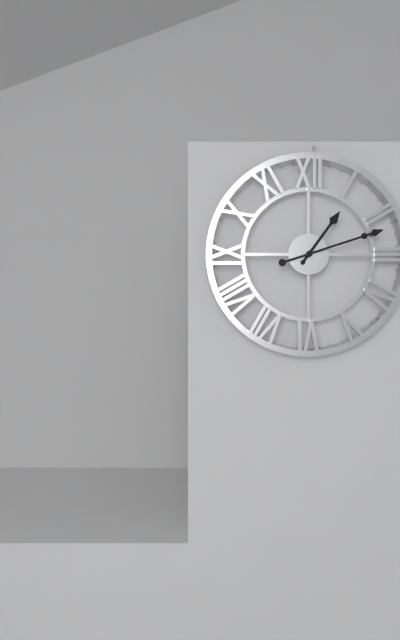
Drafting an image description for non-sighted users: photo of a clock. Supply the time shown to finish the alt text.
1:12
